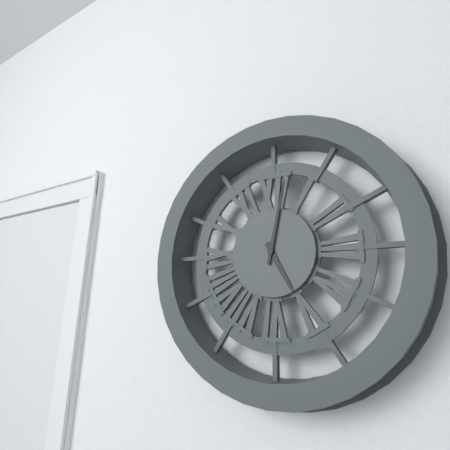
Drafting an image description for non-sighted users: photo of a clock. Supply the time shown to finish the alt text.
5:02
